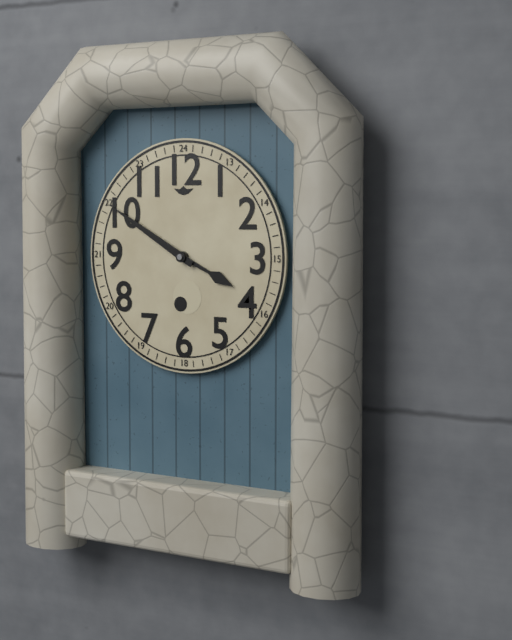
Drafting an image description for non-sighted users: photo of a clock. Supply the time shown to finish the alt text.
3:50
